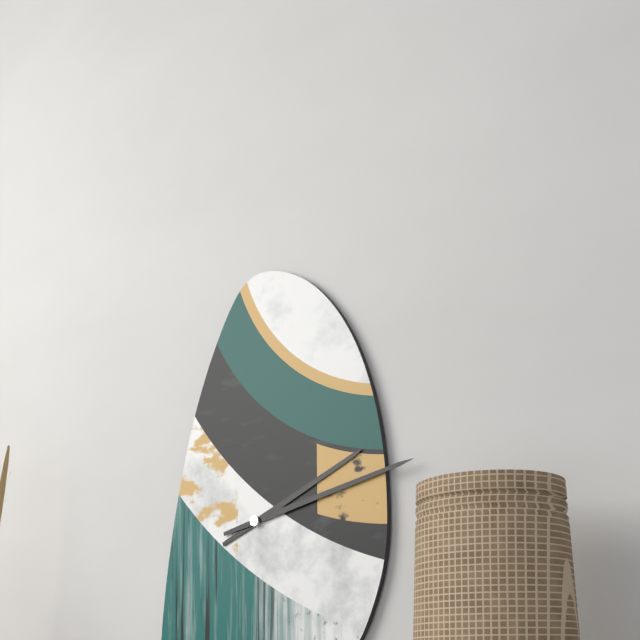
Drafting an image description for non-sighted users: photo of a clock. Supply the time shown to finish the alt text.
2:13
